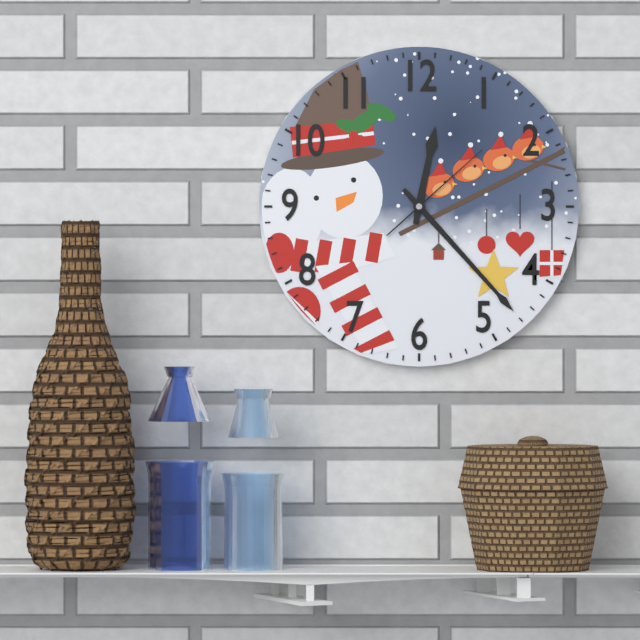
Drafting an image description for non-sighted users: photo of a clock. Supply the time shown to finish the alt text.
12:23:08
